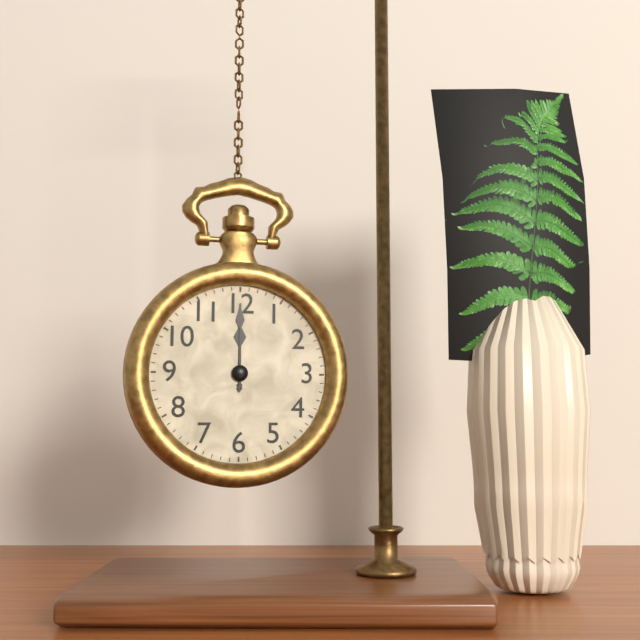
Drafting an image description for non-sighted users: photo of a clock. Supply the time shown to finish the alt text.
12:00
